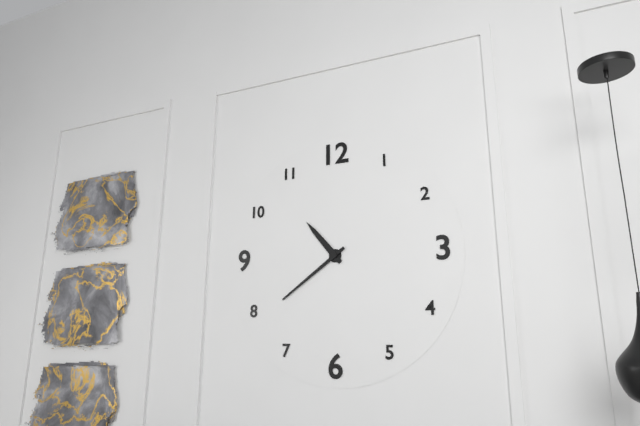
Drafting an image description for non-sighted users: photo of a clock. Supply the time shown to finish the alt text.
10:39
